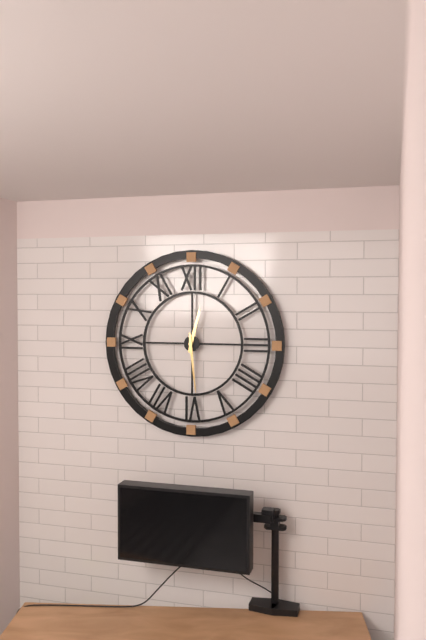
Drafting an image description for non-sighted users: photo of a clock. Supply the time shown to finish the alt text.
12:29
